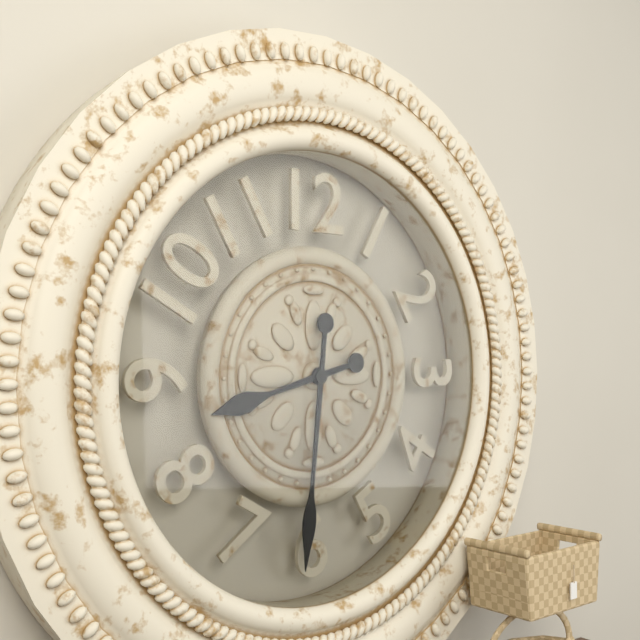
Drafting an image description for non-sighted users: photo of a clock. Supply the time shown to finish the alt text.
8:31
